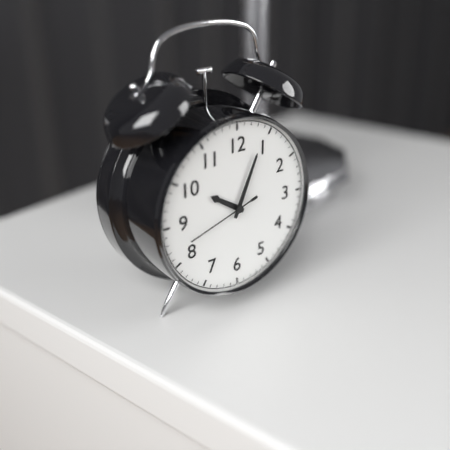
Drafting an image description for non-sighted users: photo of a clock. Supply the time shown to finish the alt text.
10:04:42
